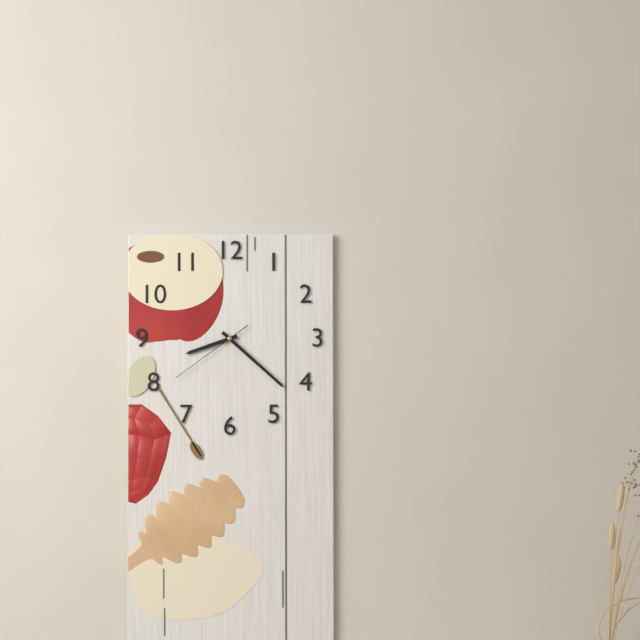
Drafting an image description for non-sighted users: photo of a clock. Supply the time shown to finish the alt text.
8:22:39
